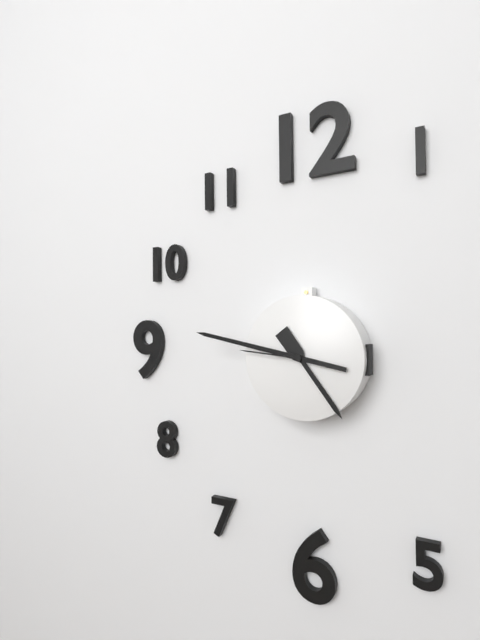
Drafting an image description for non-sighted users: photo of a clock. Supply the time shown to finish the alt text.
4:47:46
